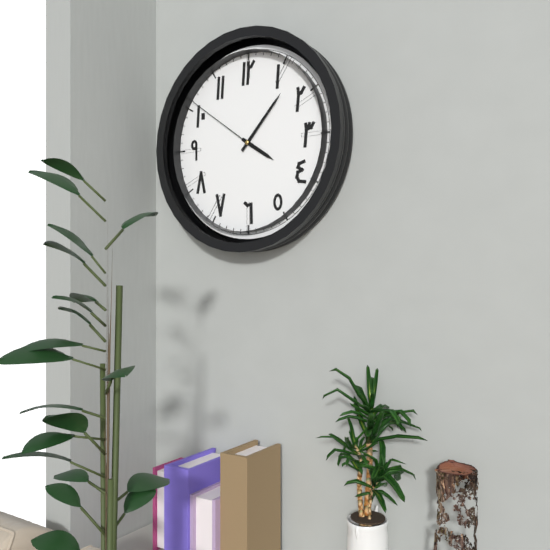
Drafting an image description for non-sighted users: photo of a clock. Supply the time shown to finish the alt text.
4:07:51
